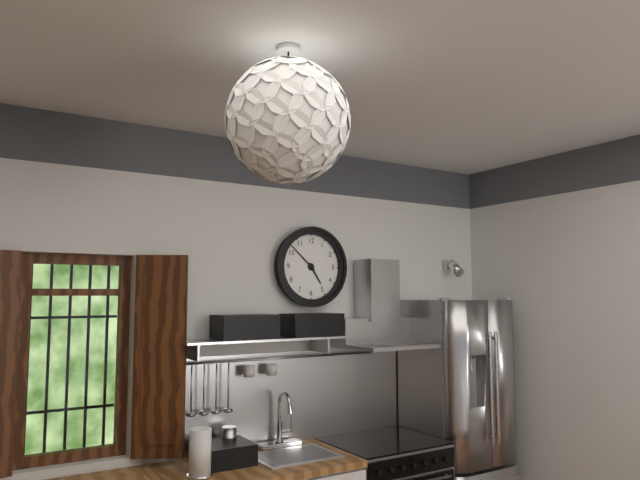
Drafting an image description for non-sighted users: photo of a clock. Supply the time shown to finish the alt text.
4:52
